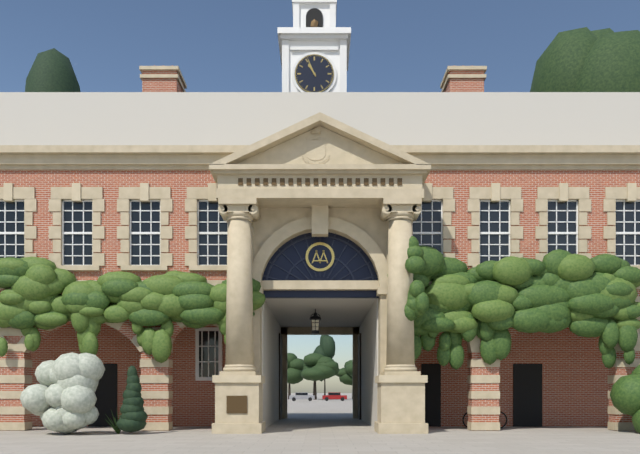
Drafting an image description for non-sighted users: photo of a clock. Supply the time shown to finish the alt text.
10:56
